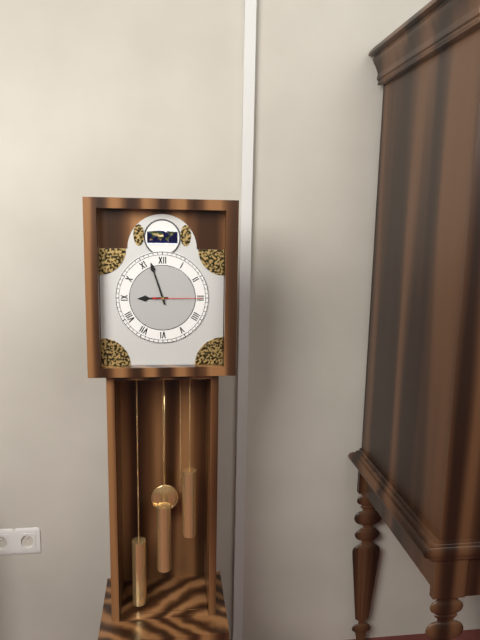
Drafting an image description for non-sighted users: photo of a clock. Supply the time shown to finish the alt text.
8:57:15
